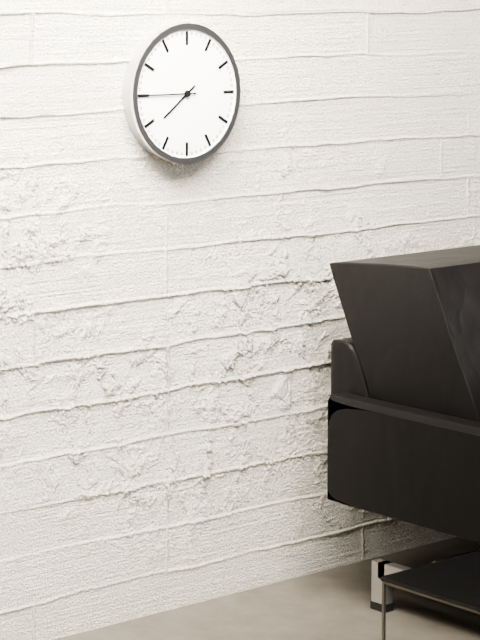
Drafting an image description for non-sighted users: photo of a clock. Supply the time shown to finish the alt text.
7:45
